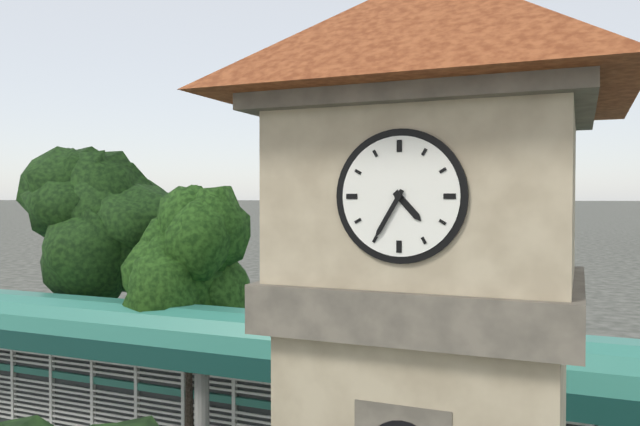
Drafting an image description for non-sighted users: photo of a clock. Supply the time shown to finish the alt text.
4:35
